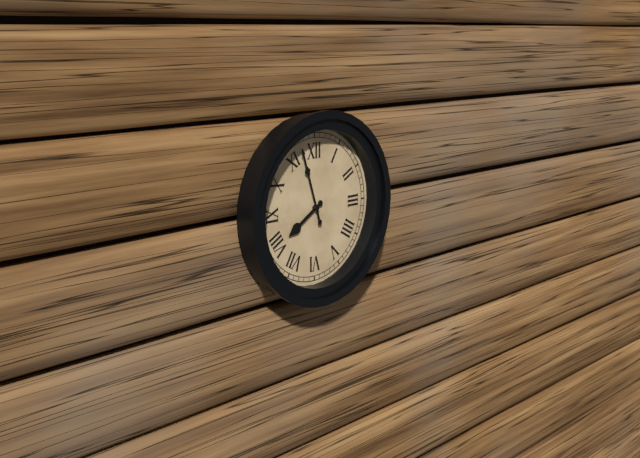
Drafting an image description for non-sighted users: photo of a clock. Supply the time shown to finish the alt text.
7:57
